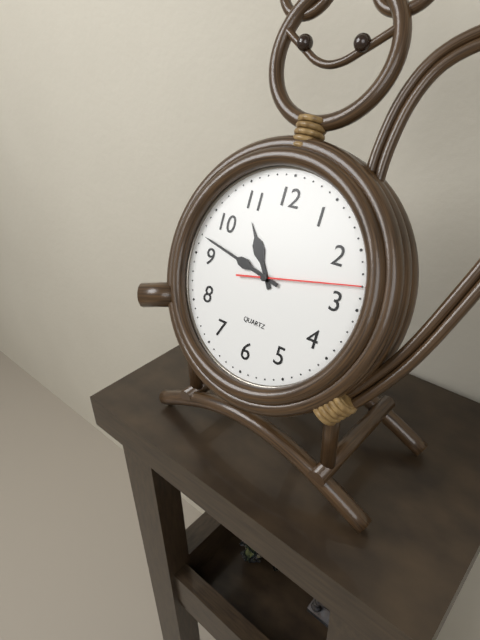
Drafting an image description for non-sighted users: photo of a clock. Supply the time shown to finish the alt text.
10:47:13
